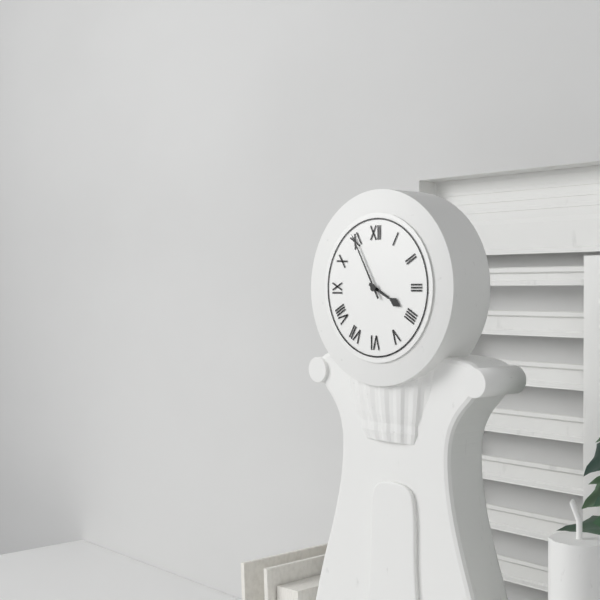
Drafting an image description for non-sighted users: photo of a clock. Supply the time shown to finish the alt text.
3:55
